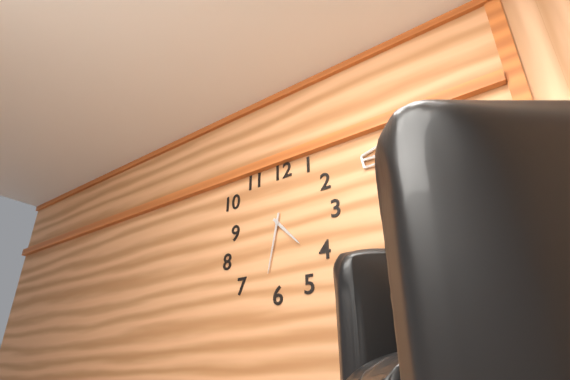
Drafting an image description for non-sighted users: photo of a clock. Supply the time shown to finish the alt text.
4:32
